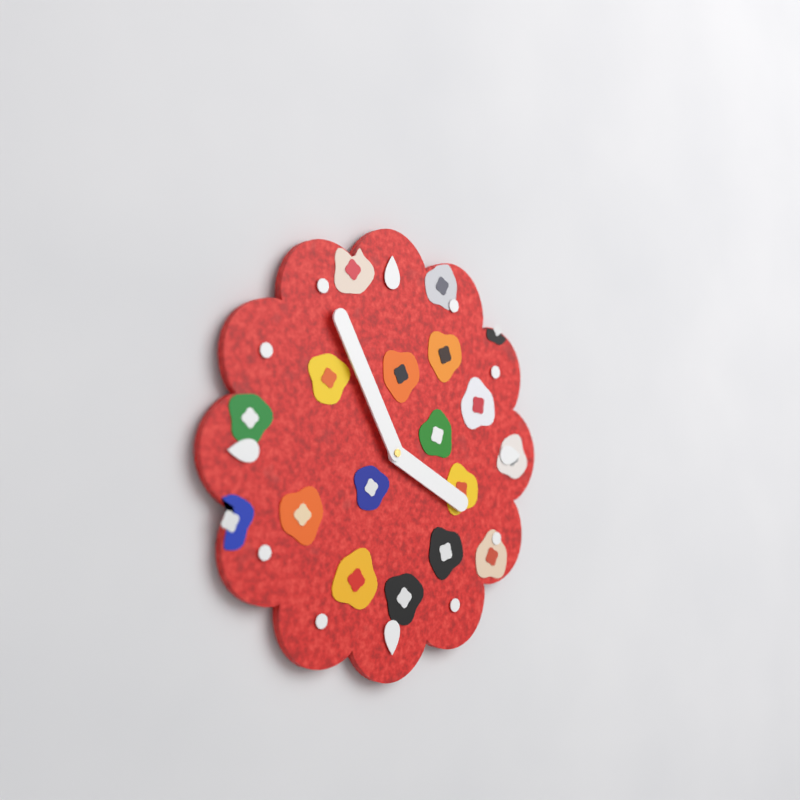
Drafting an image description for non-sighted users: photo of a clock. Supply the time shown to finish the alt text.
3:55
